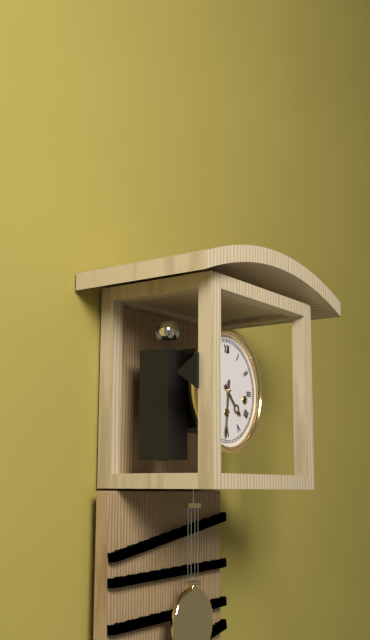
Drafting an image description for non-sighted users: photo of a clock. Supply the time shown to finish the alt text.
4:31
